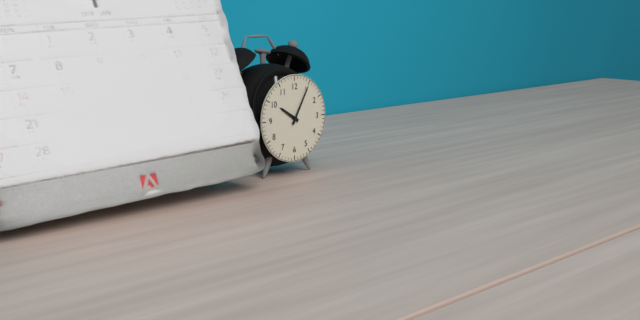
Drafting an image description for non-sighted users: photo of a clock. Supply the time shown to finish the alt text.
10:05
